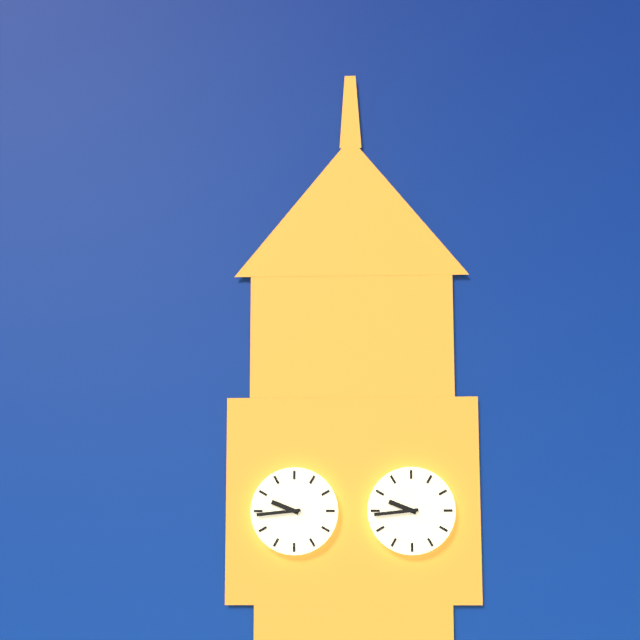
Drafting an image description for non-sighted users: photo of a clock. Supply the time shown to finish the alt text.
9:44
